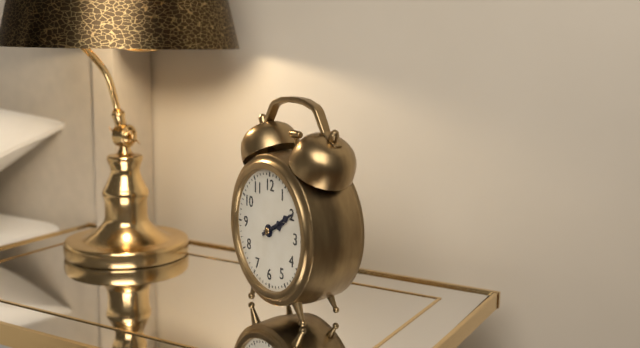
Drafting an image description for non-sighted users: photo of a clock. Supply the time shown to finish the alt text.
2:10
